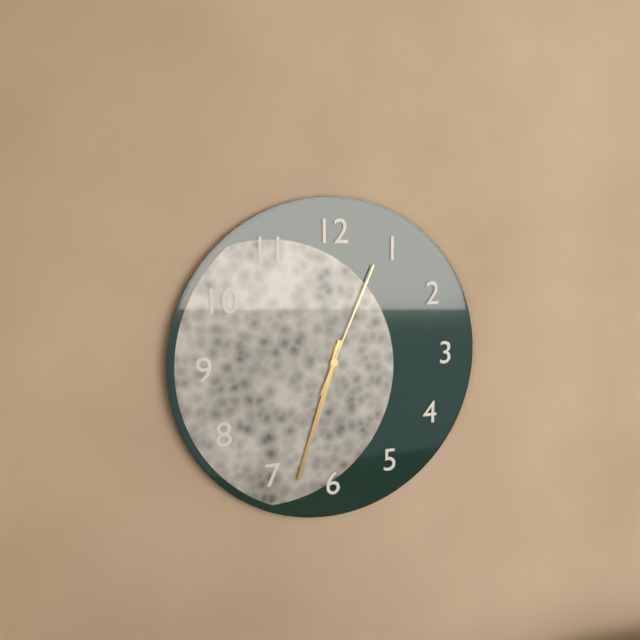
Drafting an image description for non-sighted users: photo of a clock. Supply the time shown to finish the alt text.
6:33:04
